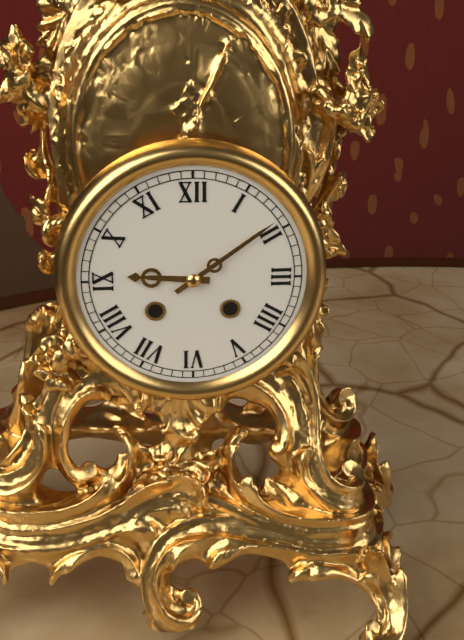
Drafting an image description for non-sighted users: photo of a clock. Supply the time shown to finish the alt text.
9:09
